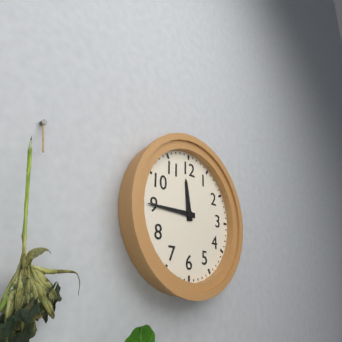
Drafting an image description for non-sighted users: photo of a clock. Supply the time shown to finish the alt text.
11:45
